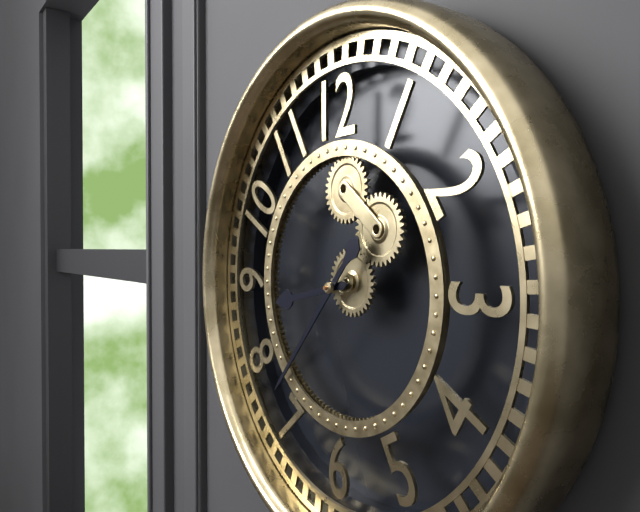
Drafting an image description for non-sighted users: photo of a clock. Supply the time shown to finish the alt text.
8:37
